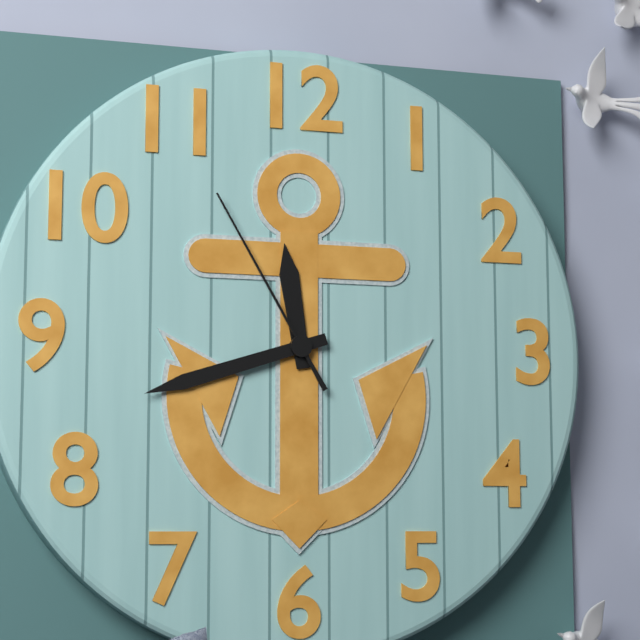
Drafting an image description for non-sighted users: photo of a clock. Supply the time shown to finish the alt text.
11:42:55
